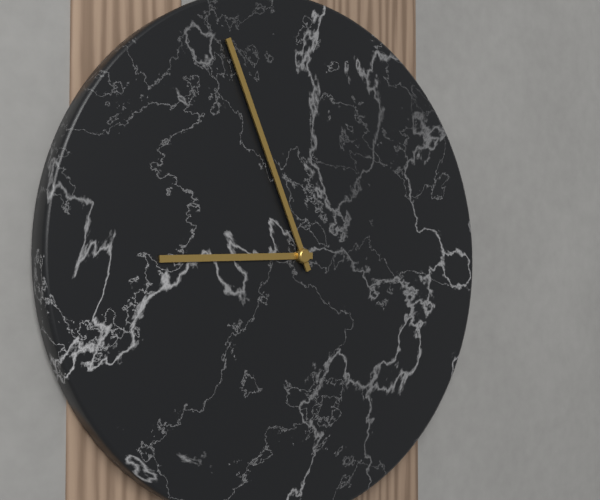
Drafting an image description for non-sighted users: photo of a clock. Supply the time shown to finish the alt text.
8:56
